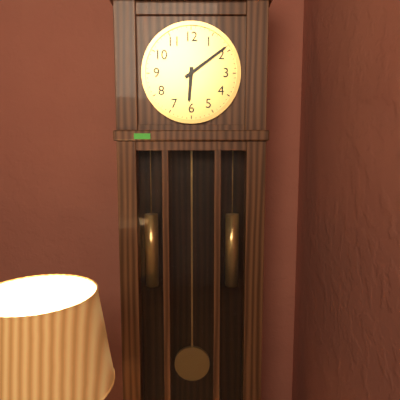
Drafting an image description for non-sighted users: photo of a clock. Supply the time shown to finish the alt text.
6:09
